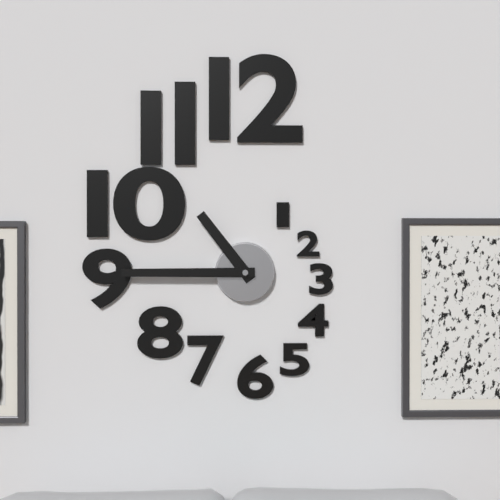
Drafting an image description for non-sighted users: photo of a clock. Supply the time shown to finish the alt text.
10:45
